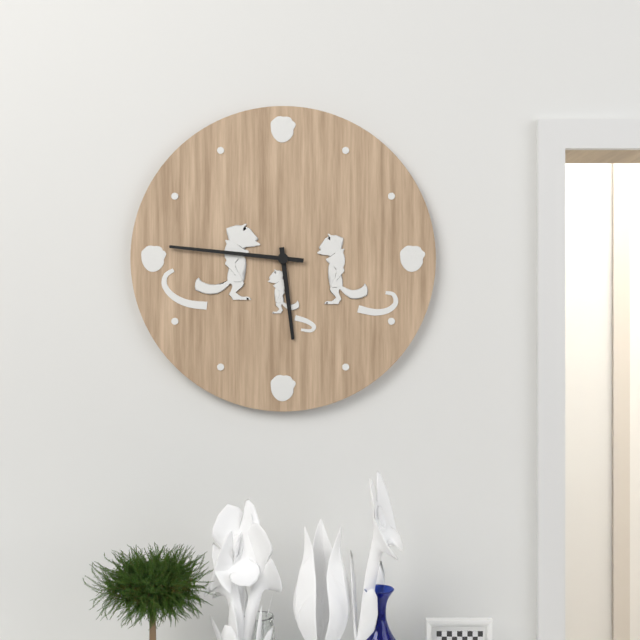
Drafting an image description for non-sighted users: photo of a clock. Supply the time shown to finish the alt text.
5:46
